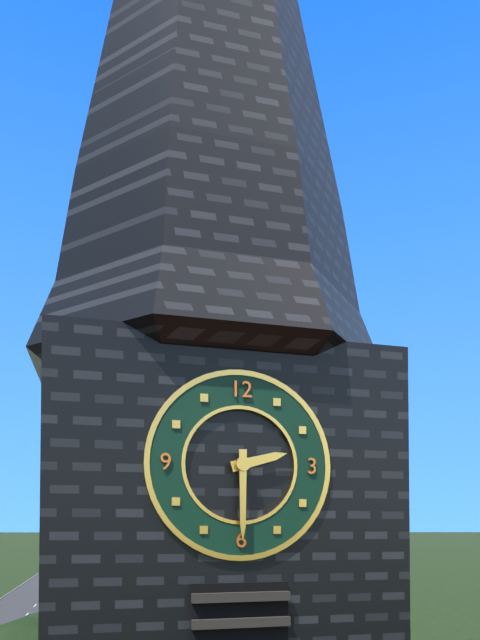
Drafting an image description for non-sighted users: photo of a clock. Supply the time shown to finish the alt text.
2:30
